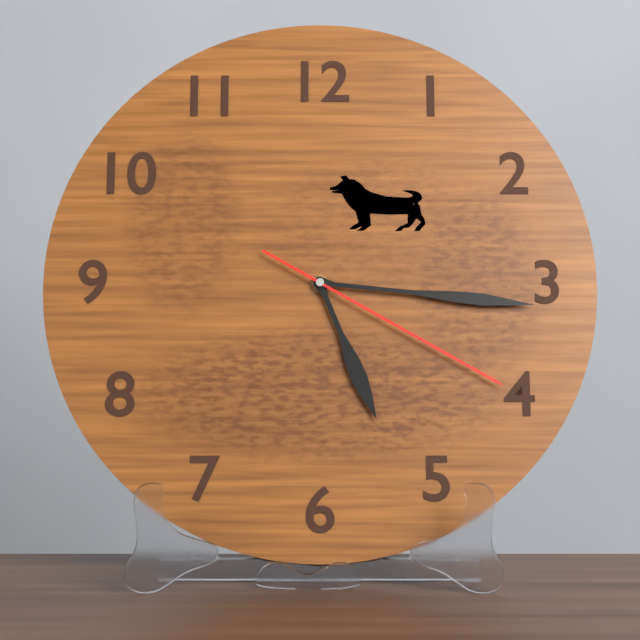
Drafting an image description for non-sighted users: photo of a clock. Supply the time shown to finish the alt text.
5:16:20
